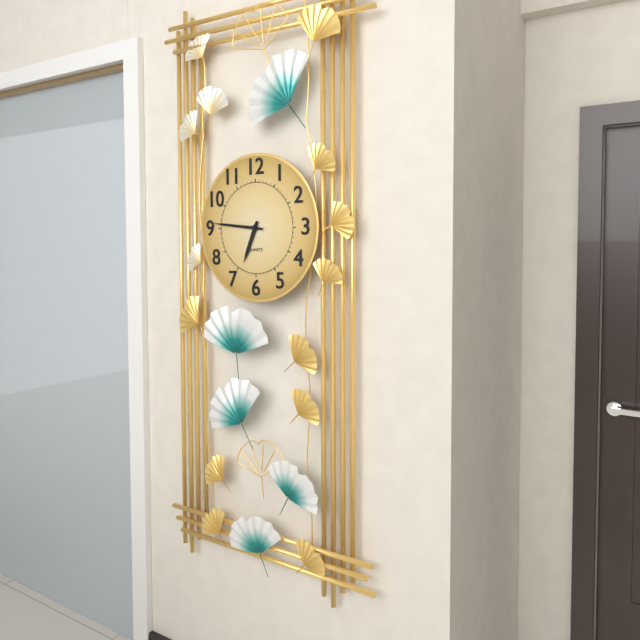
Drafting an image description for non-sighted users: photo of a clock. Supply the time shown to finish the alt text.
6:46
